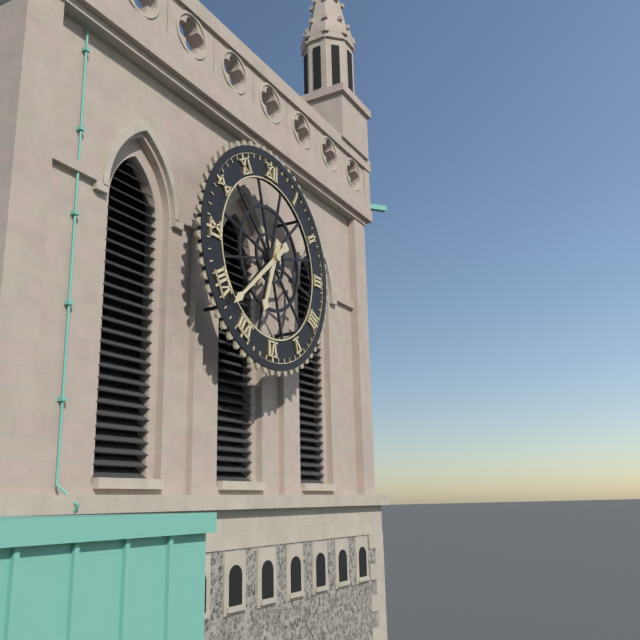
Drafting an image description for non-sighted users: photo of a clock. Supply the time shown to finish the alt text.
6:38
